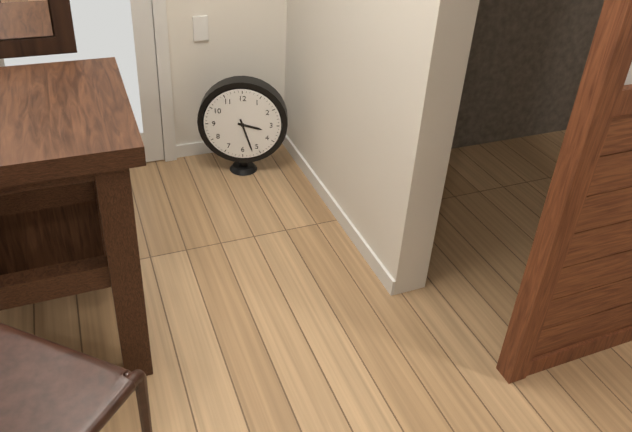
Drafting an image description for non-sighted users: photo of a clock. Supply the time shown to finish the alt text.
3:27
